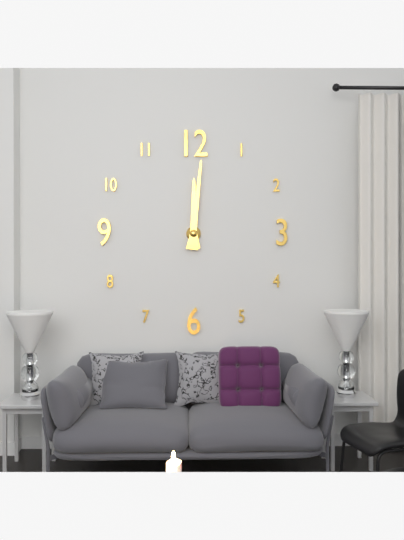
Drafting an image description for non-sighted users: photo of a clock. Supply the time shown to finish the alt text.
12:01
